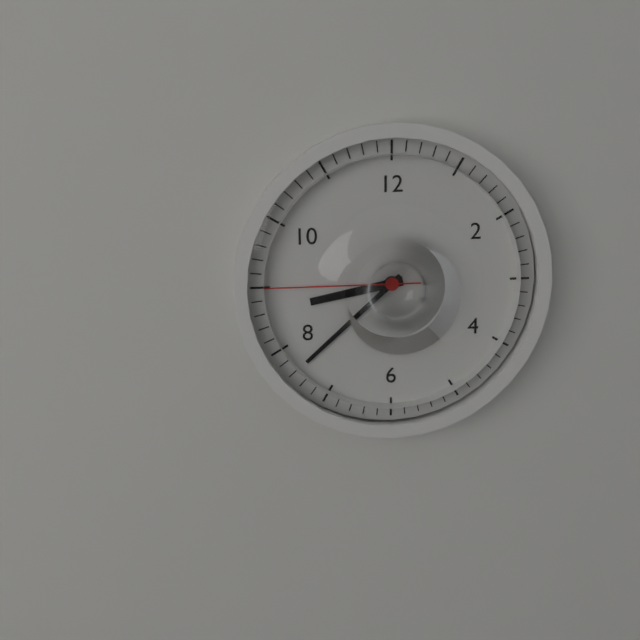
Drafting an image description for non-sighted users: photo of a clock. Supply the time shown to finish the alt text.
8:38:45
